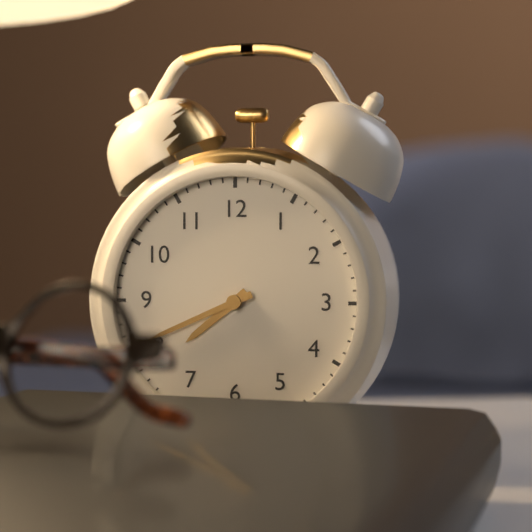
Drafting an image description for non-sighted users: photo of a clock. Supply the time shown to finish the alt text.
7:41
